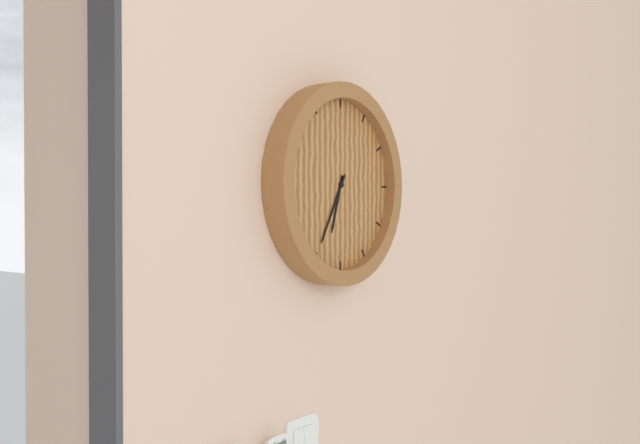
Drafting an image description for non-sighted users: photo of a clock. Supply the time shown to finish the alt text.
6:35
